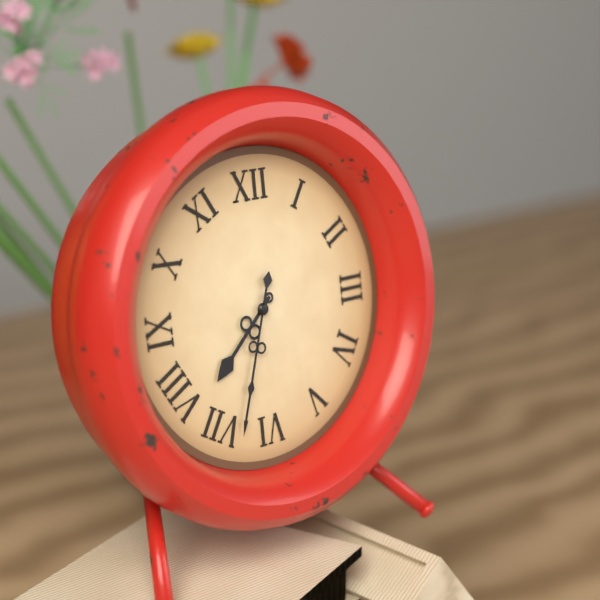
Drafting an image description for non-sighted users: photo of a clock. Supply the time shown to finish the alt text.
7:33
